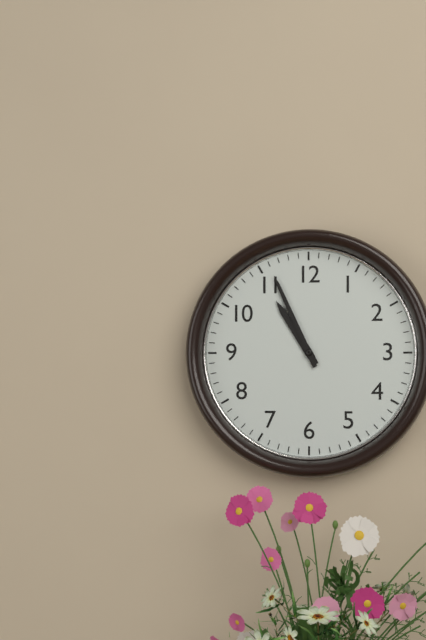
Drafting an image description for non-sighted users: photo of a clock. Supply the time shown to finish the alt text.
10:56
